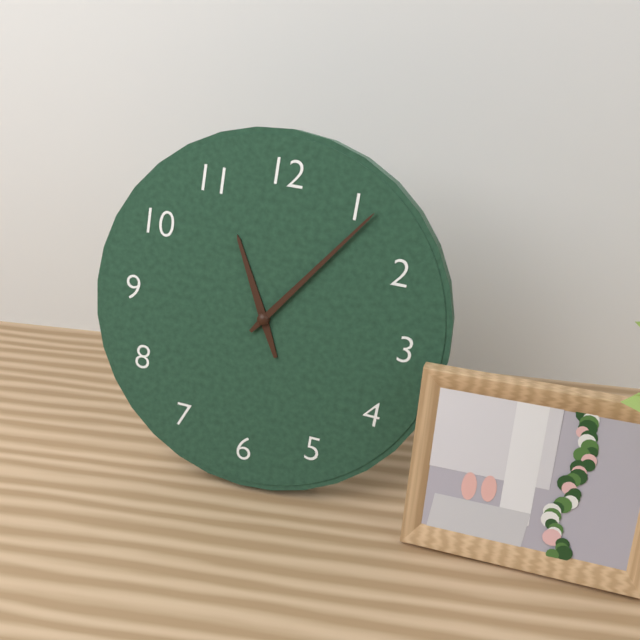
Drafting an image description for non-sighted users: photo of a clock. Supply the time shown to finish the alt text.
11:06
